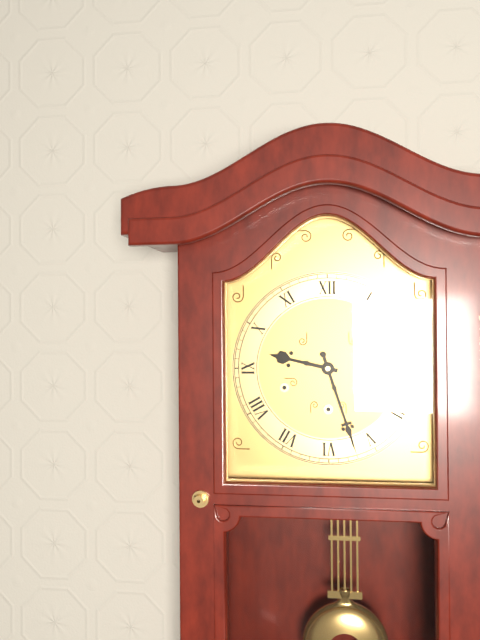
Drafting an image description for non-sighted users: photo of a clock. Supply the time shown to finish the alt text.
9:27
